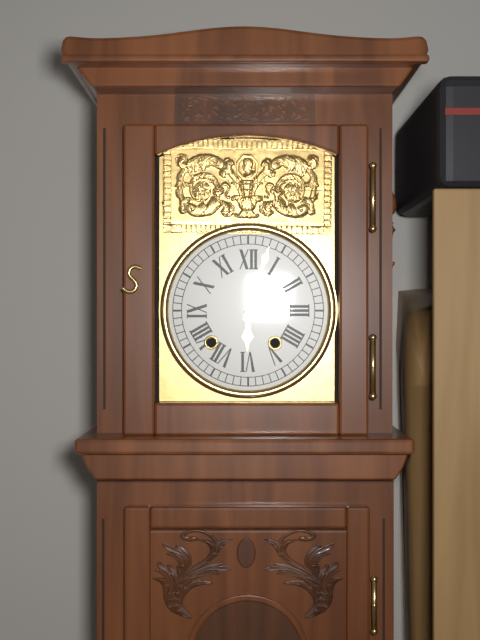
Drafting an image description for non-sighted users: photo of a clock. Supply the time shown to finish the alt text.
6:03
